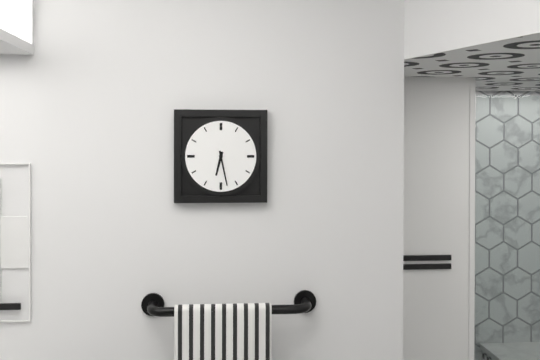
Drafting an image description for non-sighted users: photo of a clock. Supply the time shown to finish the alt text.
6:28
